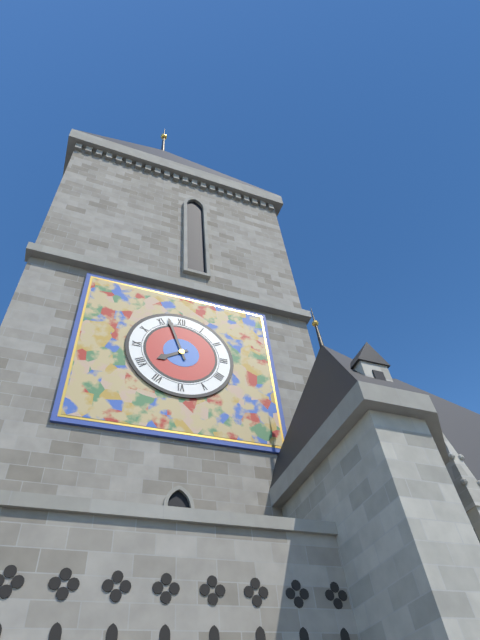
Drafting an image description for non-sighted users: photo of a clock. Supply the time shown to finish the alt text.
7:57
